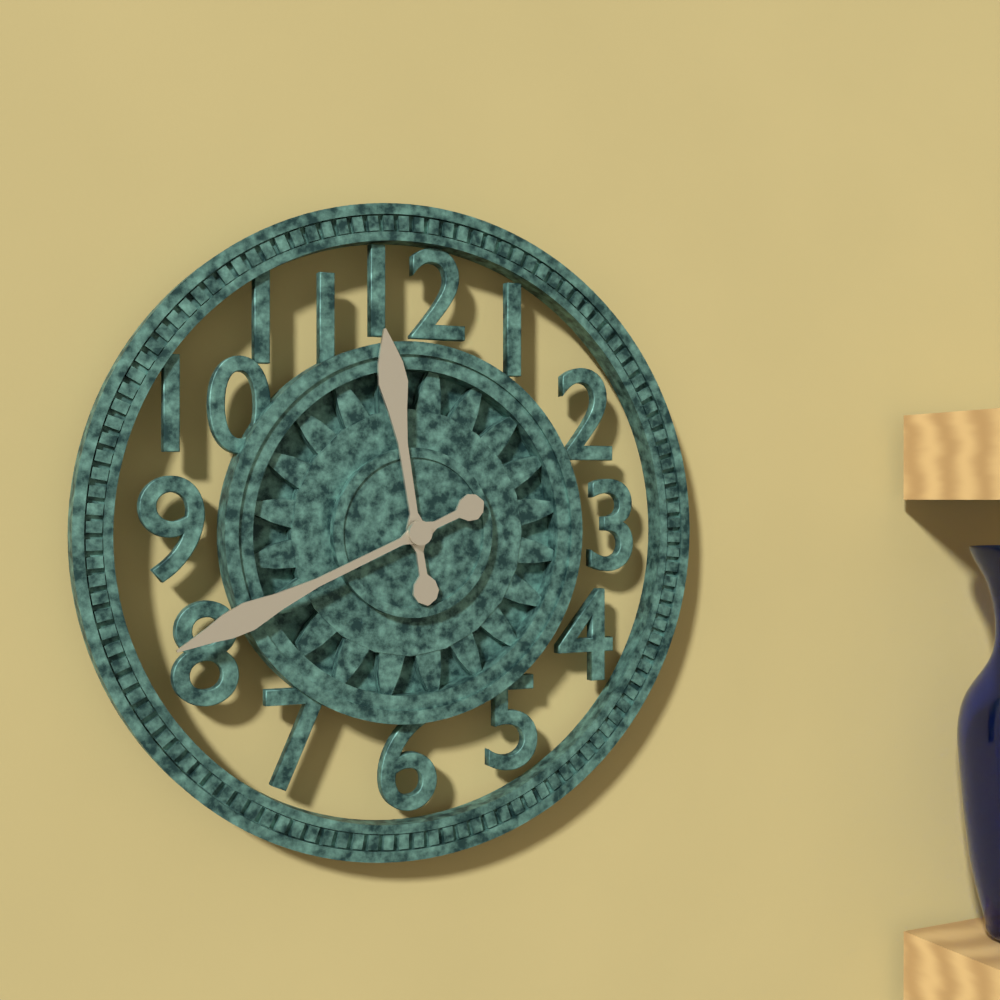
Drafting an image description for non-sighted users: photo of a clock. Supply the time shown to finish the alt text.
11:41
